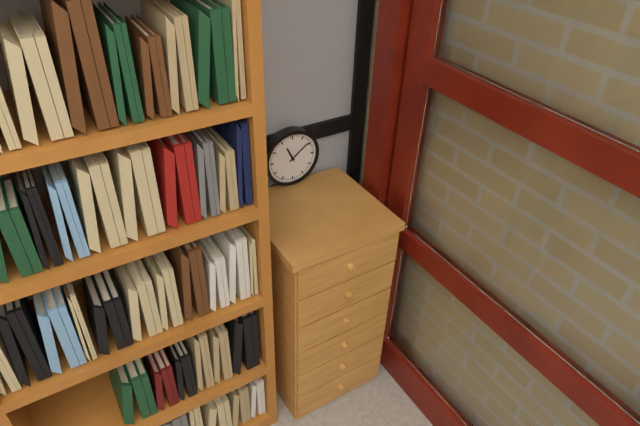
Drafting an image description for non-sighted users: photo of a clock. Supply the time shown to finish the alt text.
11:09
